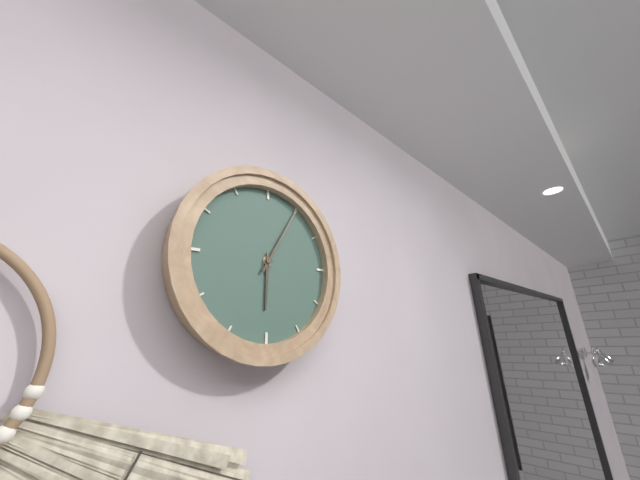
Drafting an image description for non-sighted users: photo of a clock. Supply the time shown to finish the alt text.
6:05
